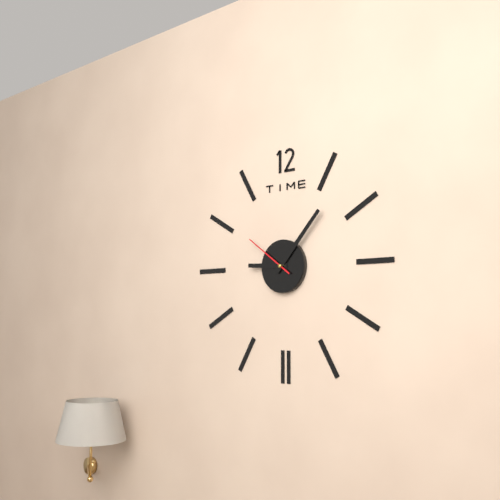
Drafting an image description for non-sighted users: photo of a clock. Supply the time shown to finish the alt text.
9:07:51
